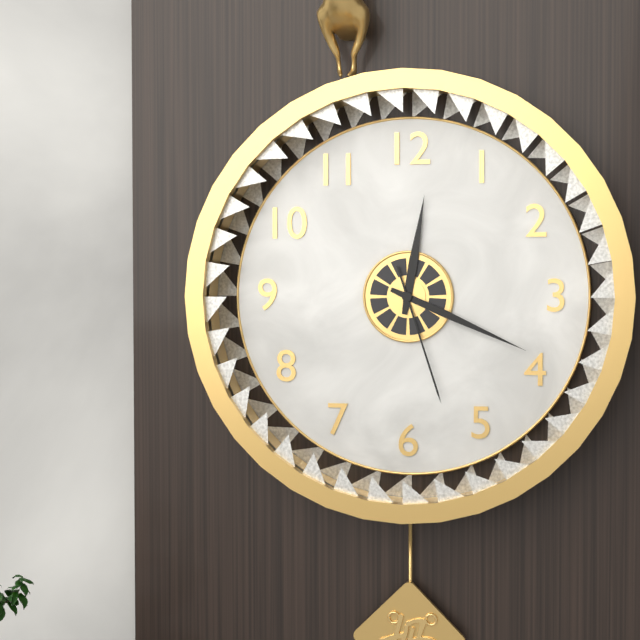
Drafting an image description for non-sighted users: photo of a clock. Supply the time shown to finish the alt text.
12:19:27
